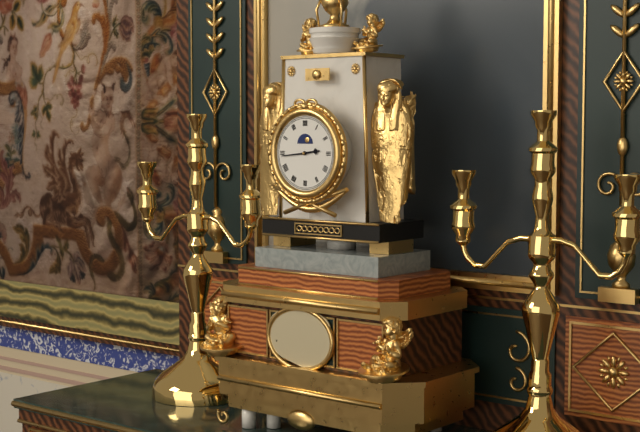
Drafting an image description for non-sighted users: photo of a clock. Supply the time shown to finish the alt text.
2:44
